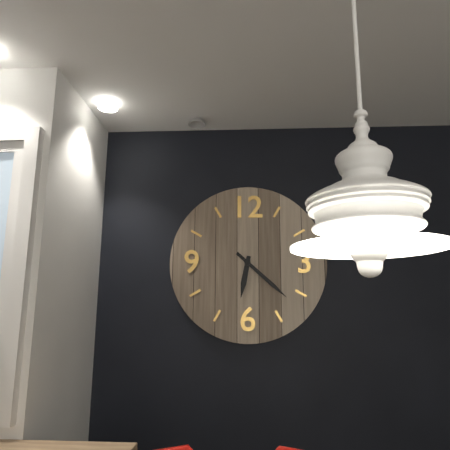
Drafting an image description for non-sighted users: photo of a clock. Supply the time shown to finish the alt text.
6:22
